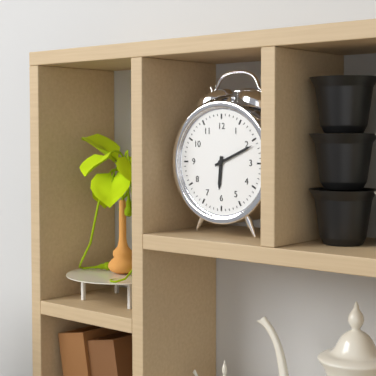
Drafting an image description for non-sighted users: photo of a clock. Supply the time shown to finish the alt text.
6:11
